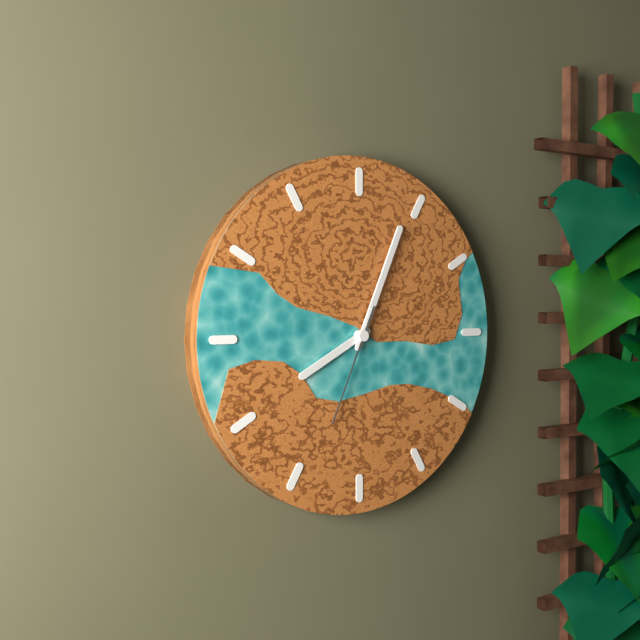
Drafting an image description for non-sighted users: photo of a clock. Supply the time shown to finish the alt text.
8:04:34
